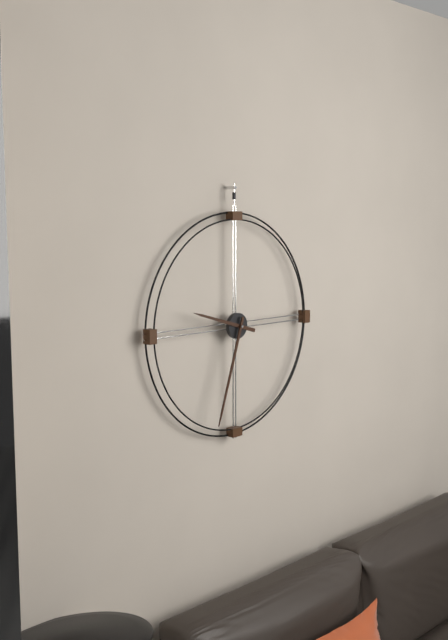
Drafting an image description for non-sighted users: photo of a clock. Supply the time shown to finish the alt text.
9:33
